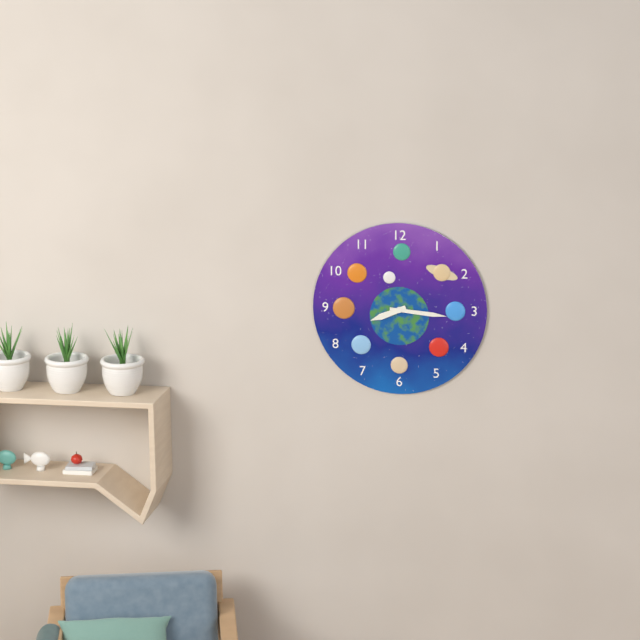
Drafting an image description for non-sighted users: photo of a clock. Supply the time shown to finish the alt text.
8:16
